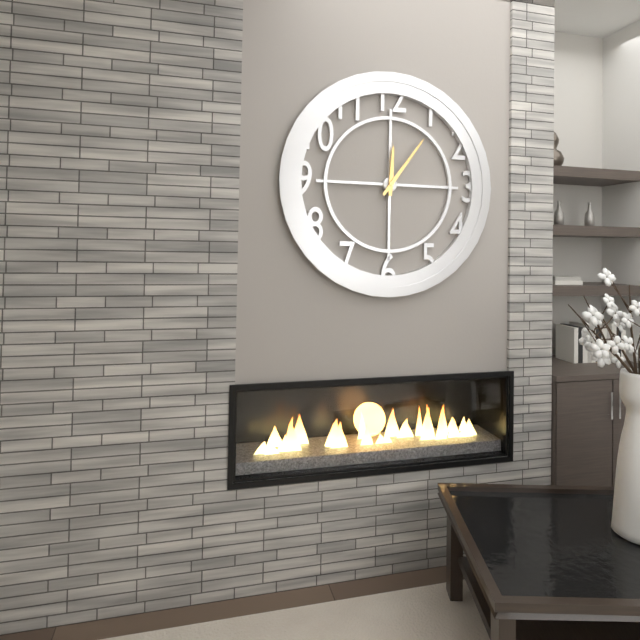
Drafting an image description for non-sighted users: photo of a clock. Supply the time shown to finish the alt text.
12:06
